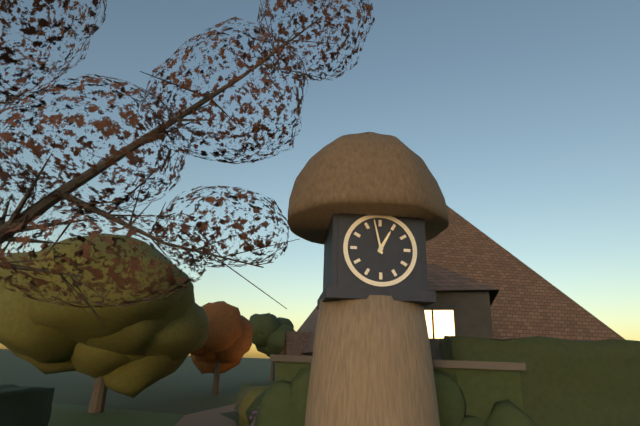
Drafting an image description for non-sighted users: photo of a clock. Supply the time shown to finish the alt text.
12:58
